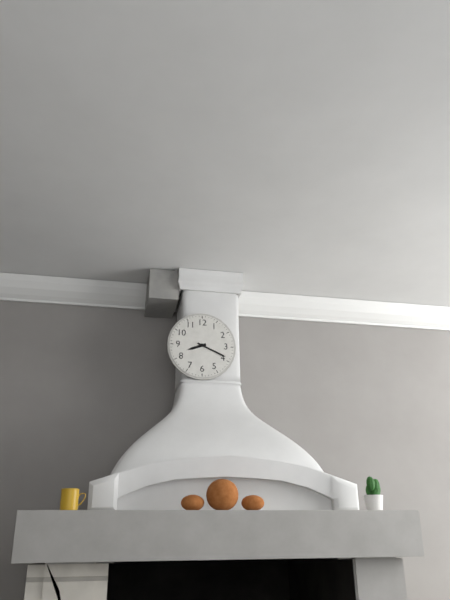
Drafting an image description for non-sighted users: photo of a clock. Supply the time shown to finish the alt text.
8:19
